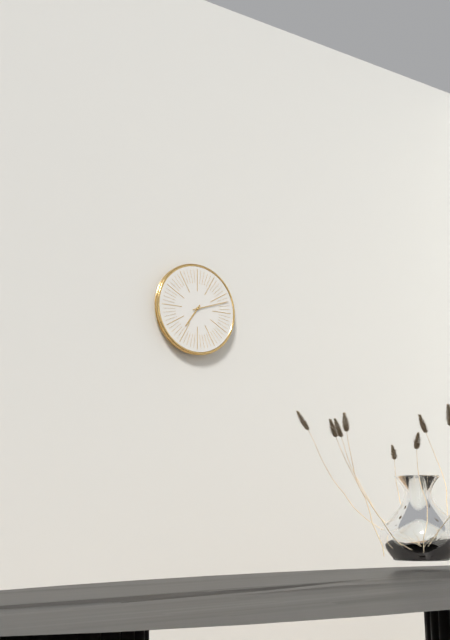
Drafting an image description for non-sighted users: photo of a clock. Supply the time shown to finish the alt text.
7:12
